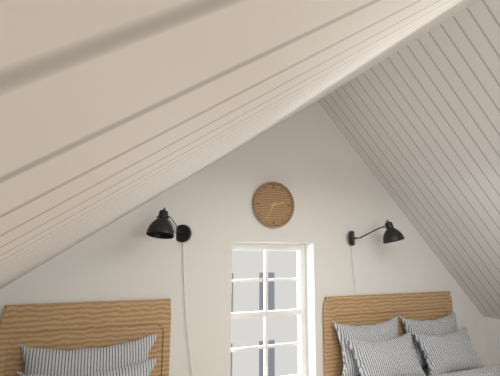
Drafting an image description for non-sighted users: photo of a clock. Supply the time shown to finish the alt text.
2:35
